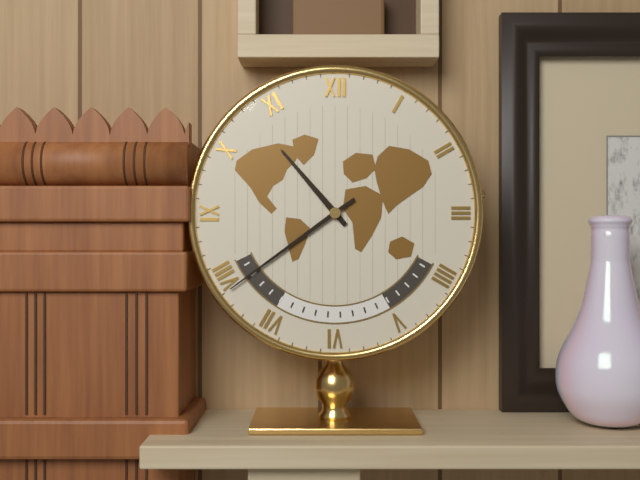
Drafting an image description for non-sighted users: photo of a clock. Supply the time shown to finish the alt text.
10:39
